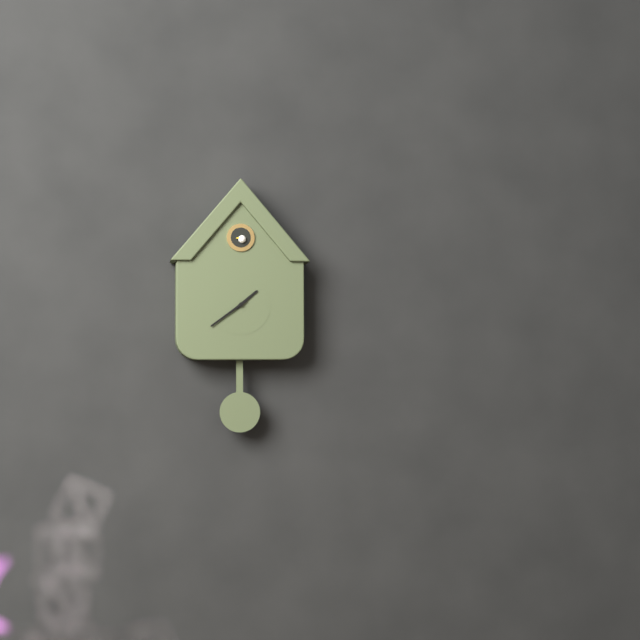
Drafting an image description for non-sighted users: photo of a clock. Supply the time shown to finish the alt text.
1:39
